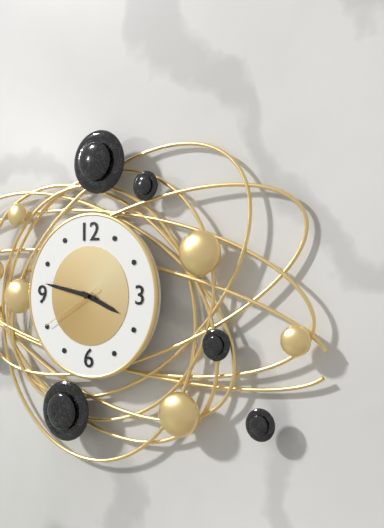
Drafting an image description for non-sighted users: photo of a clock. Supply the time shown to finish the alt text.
3:47:40
